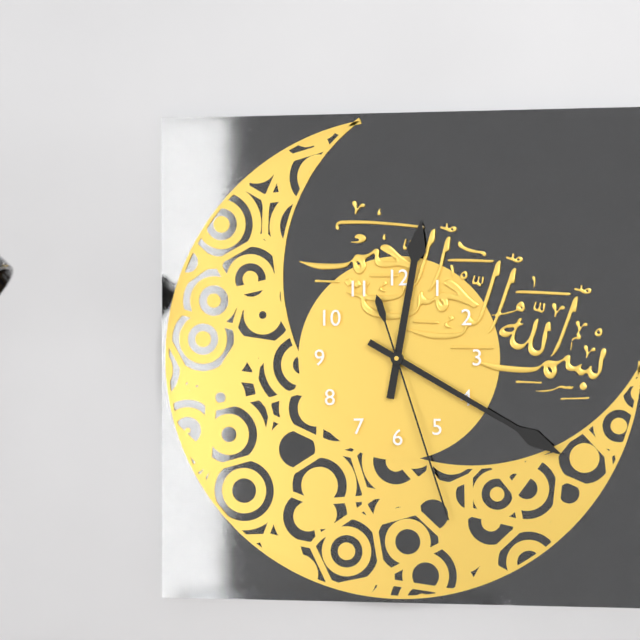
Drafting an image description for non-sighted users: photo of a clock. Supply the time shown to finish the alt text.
12:20:27
